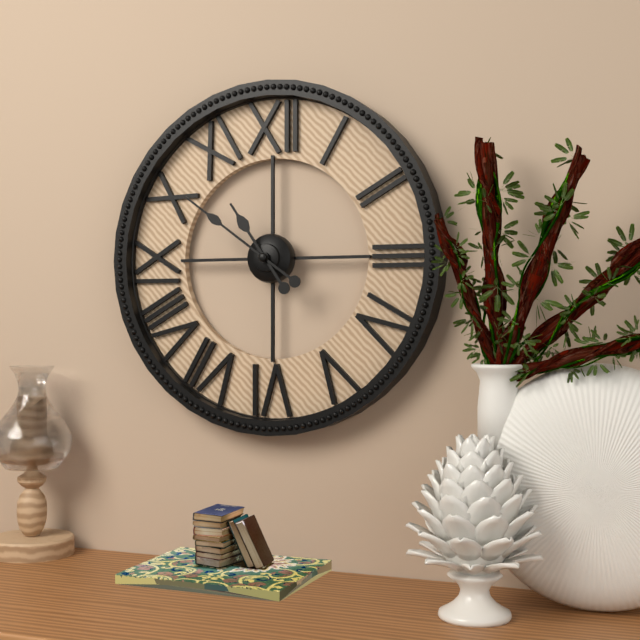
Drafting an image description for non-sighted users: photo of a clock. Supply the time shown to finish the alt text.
10:51
